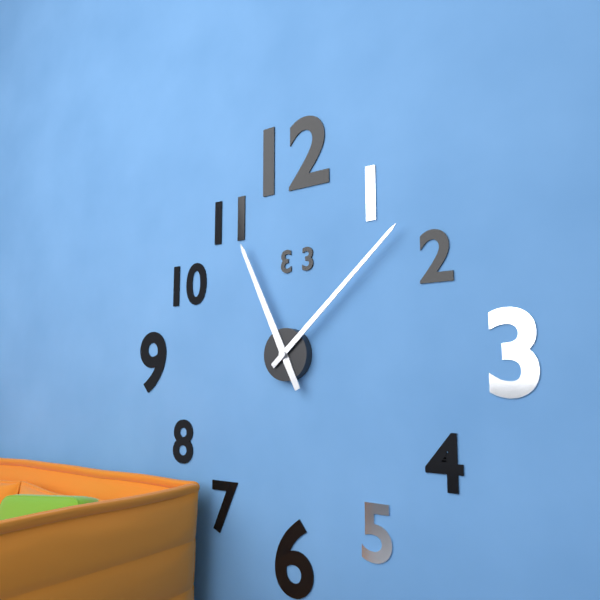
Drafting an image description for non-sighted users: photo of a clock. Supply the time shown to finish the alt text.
11:08
